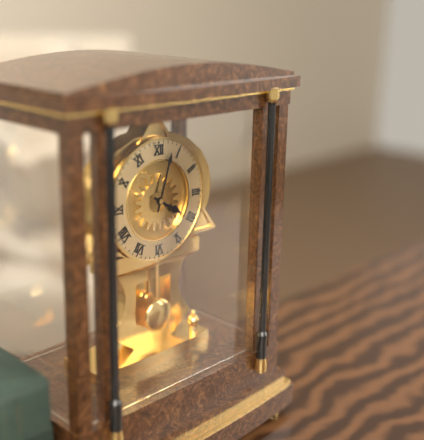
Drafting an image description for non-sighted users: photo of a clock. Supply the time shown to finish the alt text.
4:03
